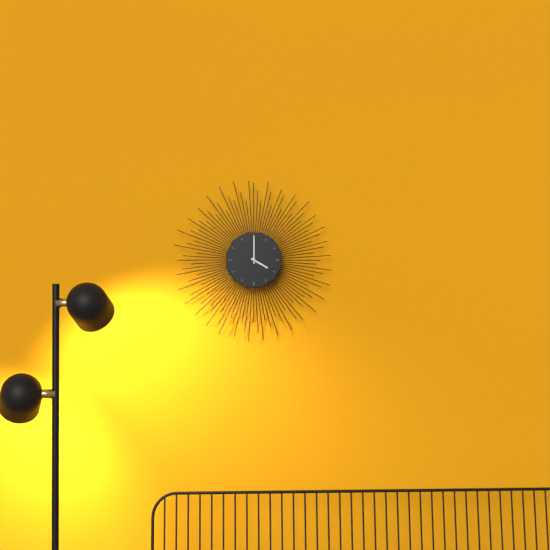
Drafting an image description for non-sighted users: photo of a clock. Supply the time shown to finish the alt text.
4:00
